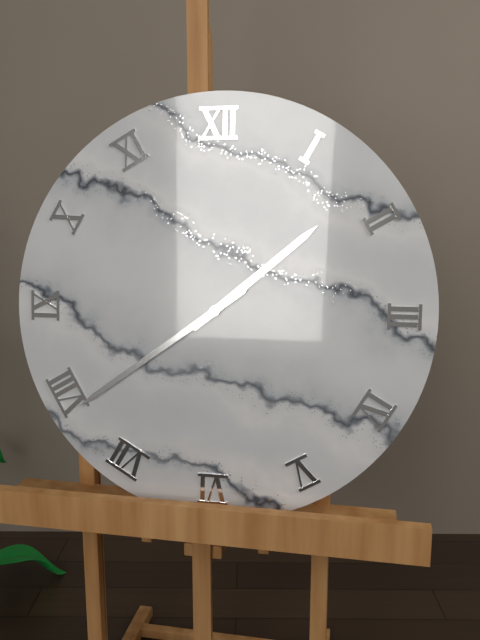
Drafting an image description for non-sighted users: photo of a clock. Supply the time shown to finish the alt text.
1:39
